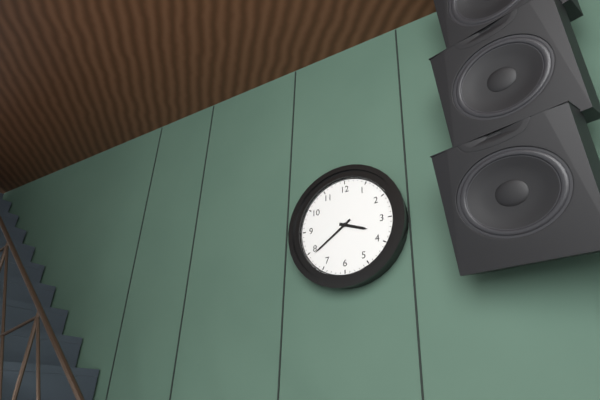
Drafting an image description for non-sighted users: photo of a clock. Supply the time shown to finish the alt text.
3:39
